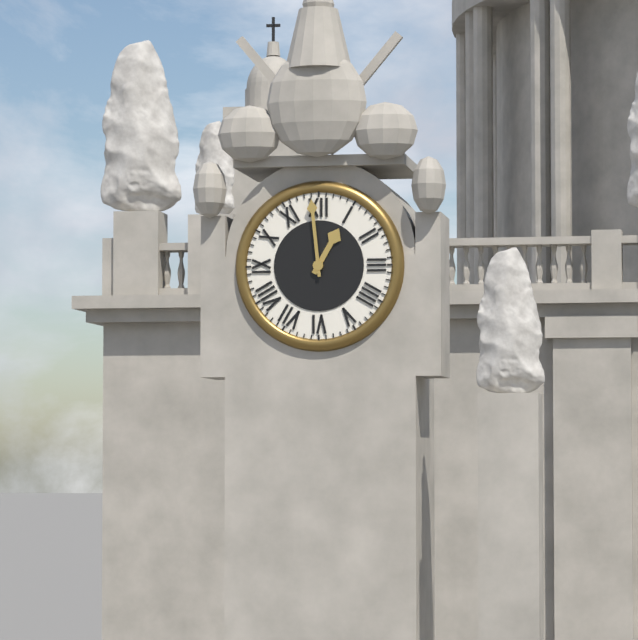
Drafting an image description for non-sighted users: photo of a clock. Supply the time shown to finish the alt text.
12:59
